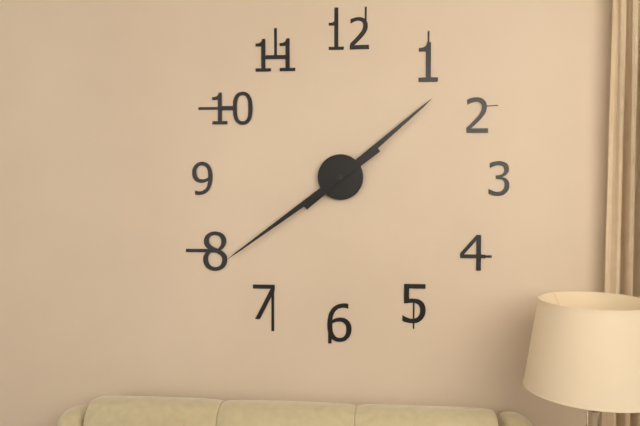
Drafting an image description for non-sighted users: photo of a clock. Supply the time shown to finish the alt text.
1:39
